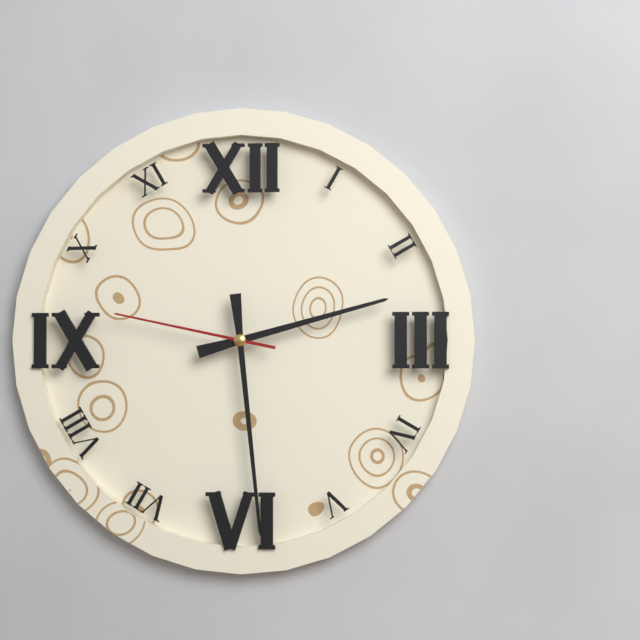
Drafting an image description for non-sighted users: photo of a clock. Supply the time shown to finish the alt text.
2:29:47
